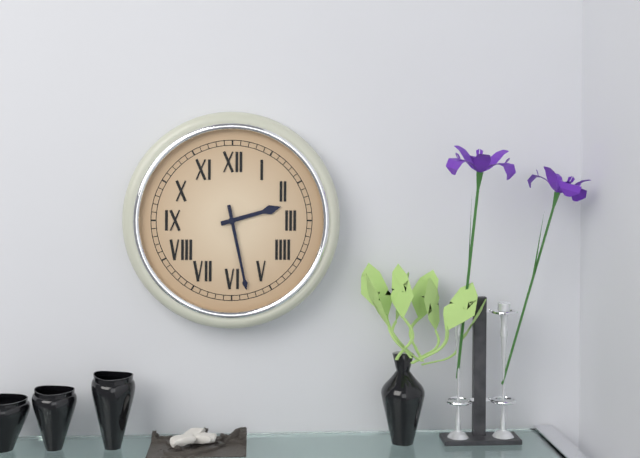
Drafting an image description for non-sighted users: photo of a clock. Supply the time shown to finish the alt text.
2:28
